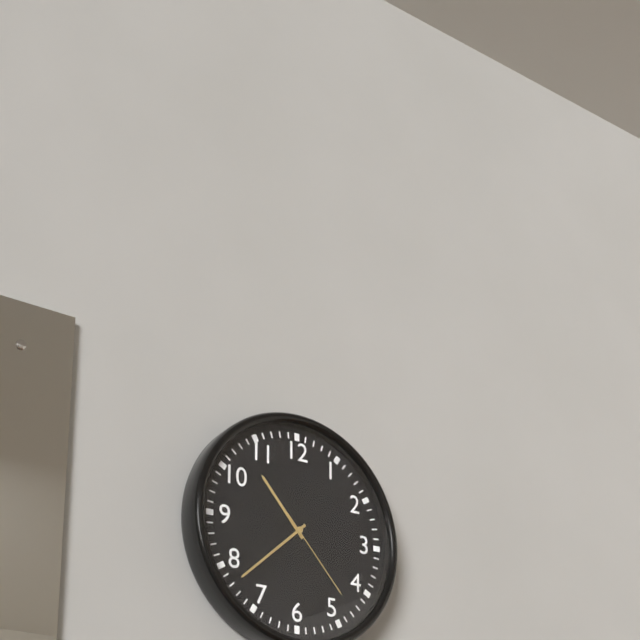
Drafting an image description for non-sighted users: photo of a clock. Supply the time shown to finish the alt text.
10:38:23
